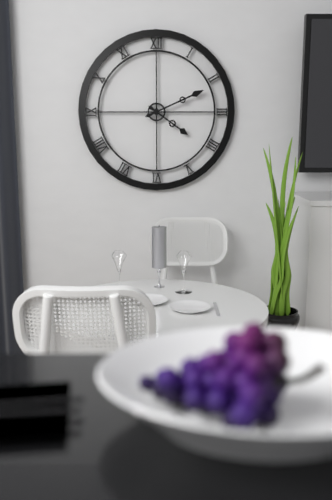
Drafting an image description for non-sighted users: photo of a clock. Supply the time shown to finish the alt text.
4:11
